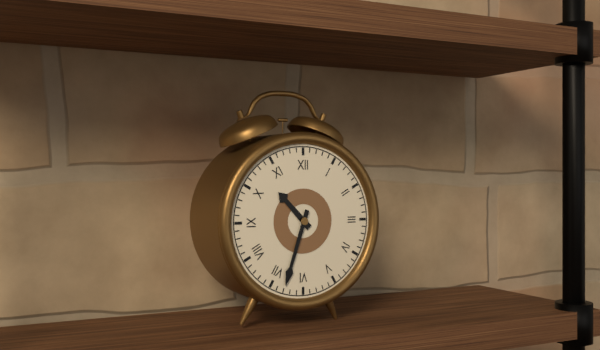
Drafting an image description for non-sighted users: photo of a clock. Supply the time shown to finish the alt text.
10:33
